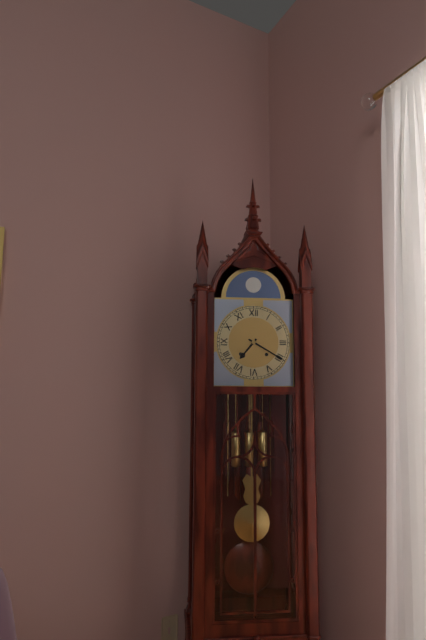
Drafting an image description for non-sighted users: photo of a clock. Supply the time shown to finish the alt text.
7:20
